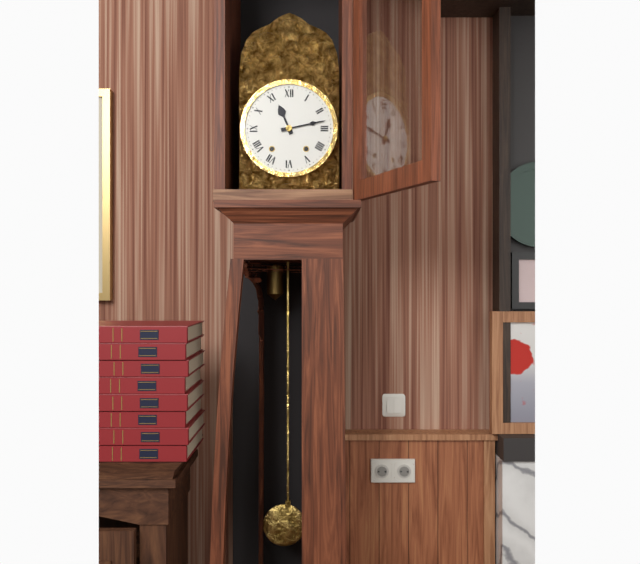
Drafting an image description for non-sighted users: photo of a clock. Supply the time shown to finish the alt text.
11:13
